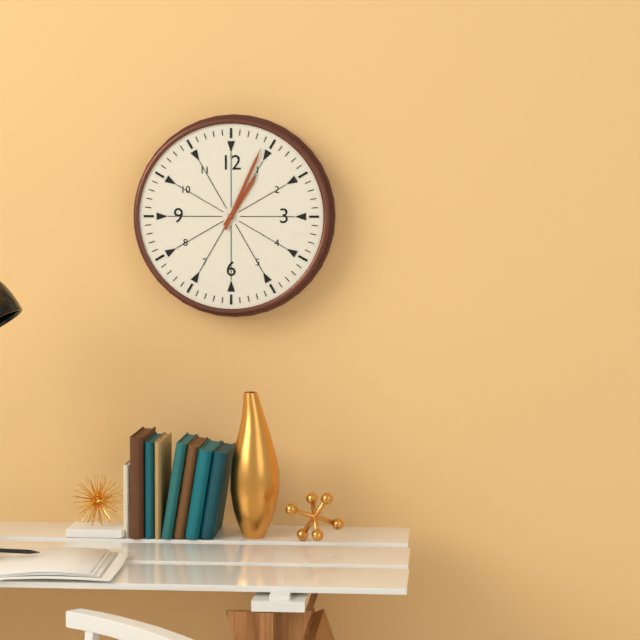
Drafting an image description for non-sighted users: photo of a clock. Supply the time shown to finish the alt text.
1:04
